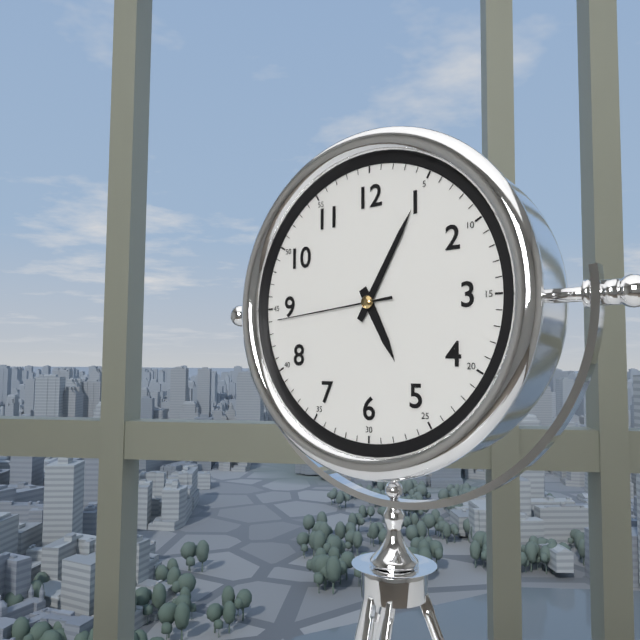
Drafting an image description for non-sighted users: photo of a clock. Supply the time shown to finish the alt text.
5:05:44
